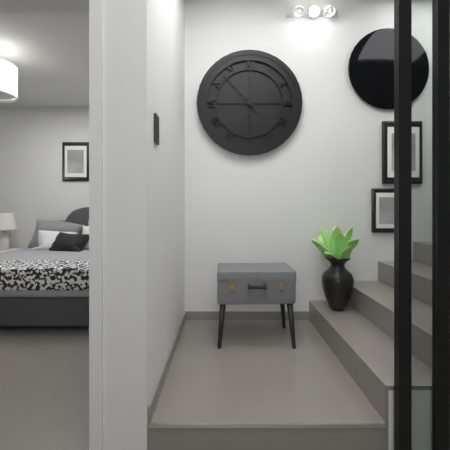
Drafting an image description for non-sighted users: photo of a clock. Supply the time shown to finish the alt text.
5:53
